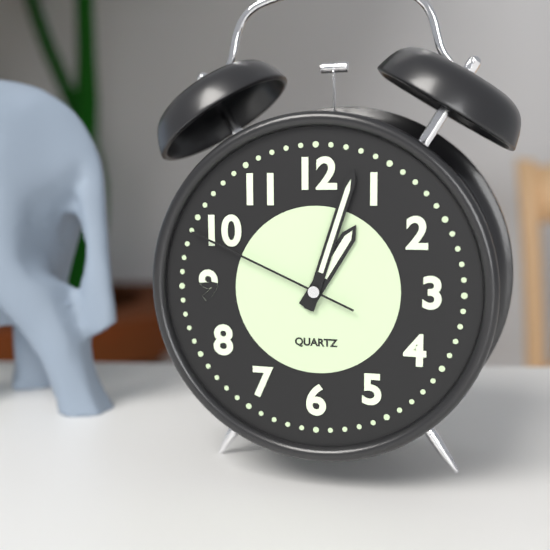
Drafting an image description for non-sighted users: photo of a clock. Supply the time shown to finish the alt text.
1:03:49
